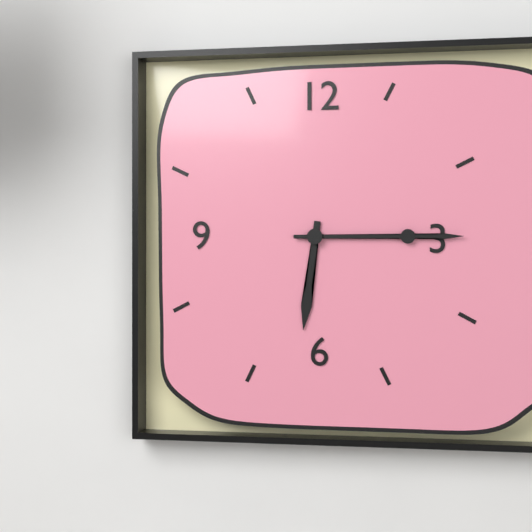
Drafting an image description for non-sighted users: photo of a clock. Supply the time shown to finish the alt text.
6:15
